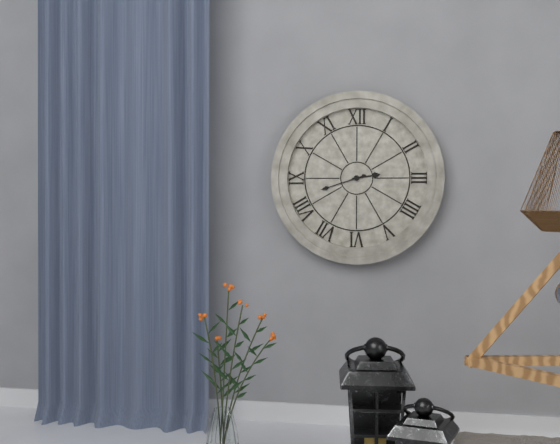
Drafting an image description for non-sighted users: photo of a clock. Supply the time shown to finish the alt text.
2:42
